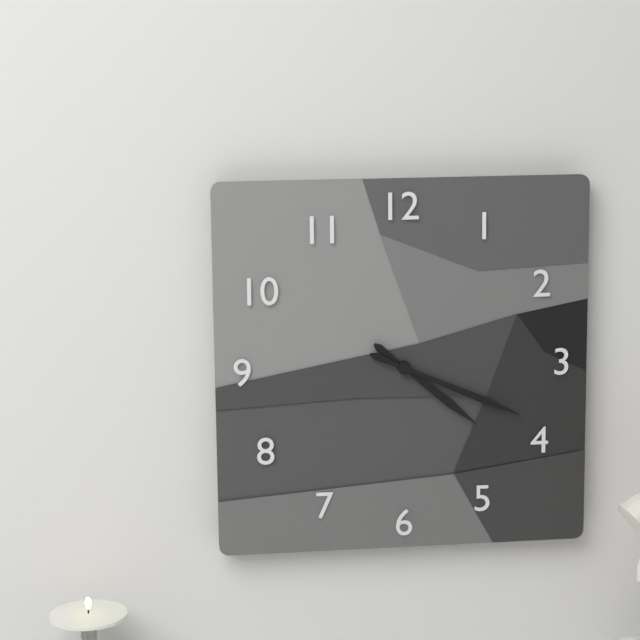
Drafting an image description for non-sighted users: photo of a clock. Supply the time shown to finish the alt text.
4:19
